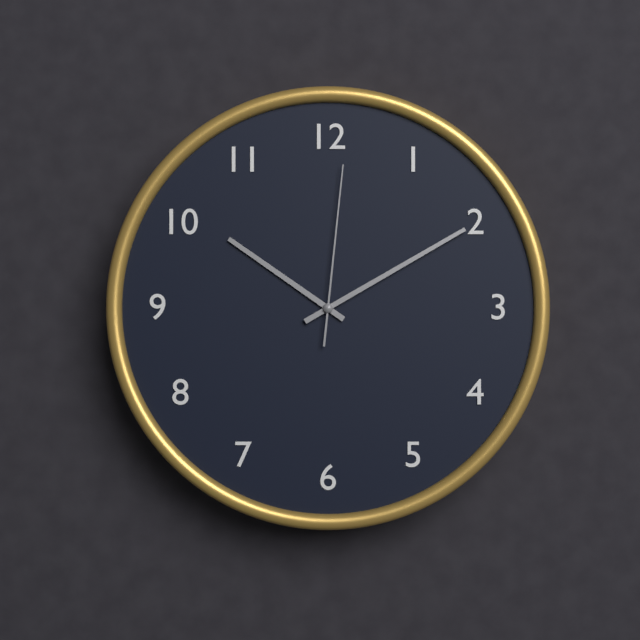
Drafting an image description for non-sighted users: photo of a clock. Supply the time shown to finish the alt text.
10:10:01
